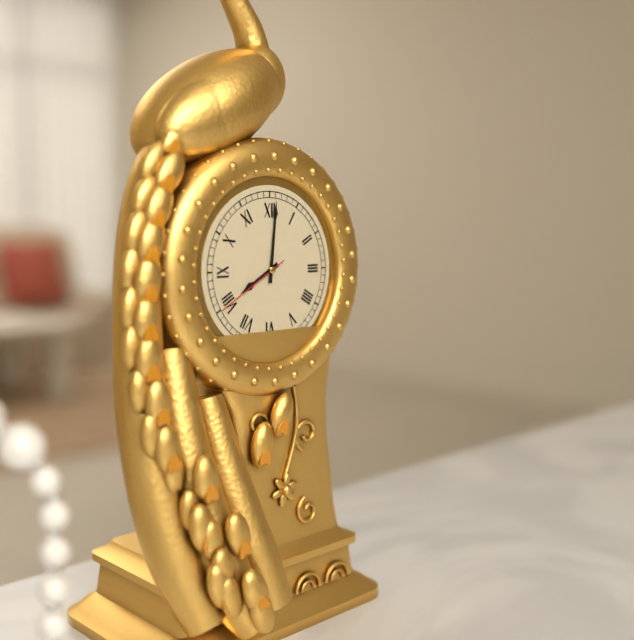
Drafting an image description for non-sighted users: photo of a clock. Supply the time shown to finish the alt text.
8:01:40
